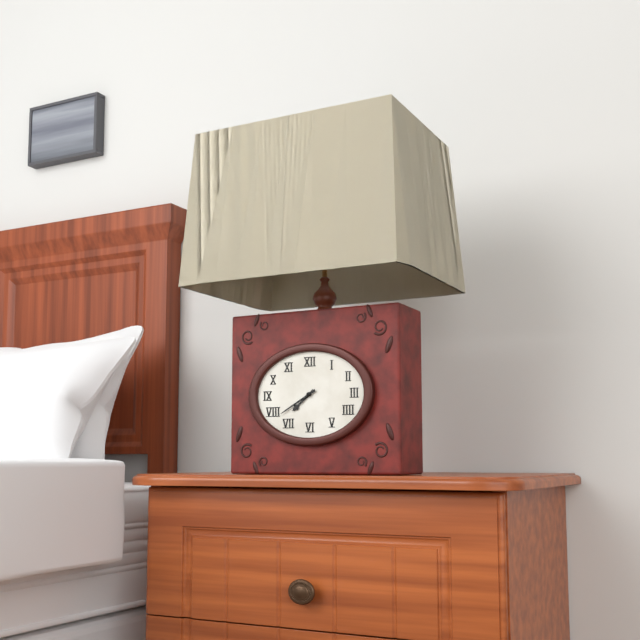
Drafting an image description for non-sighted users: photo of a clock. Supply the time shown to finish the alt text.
7:40
